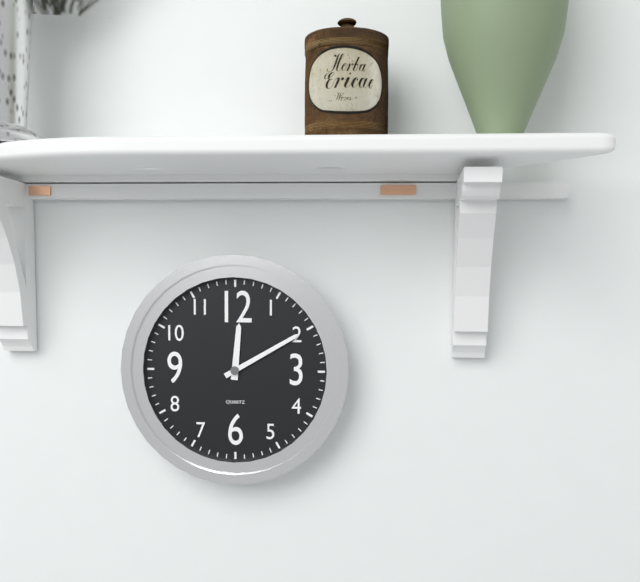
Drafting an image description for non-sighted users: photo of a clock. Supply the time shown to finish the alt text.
12:10
